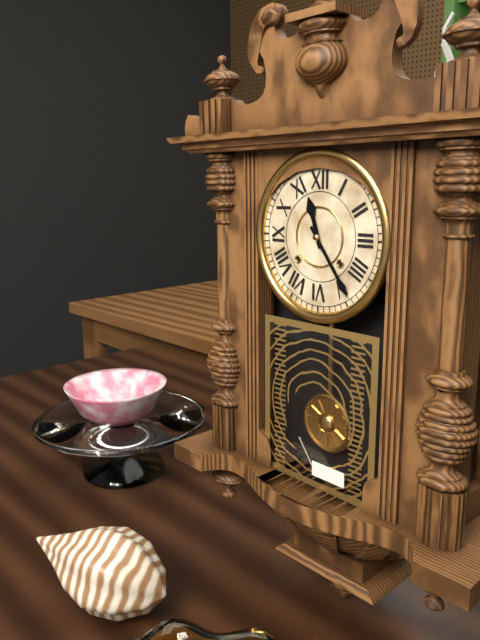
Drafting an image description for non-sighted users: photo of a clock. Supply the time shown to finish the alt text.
11:24
